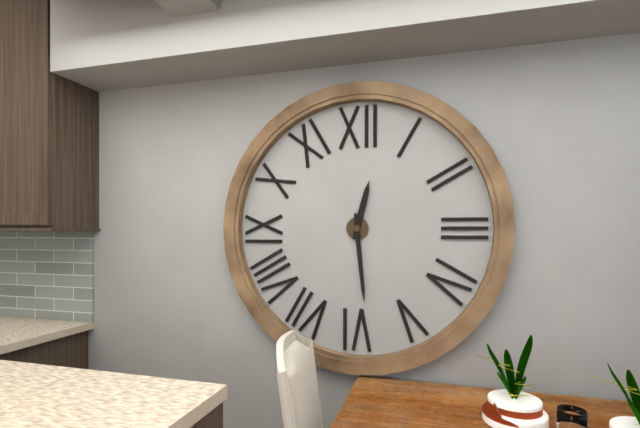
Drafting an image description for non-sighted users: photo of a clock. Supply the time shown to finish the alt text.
12:29
